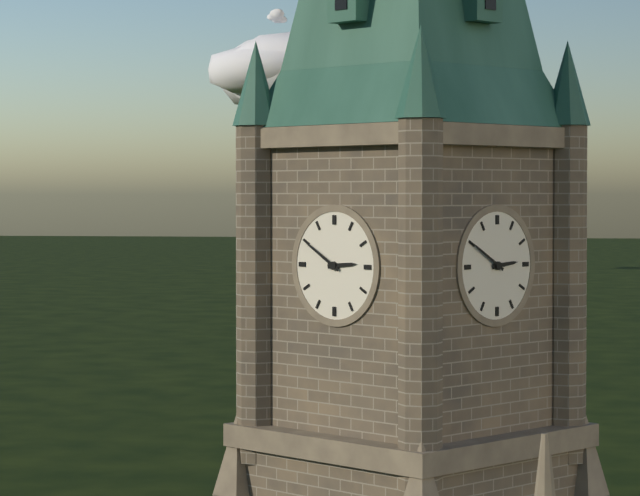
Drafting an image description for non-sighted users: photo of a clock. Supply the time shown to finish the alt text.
2:50
